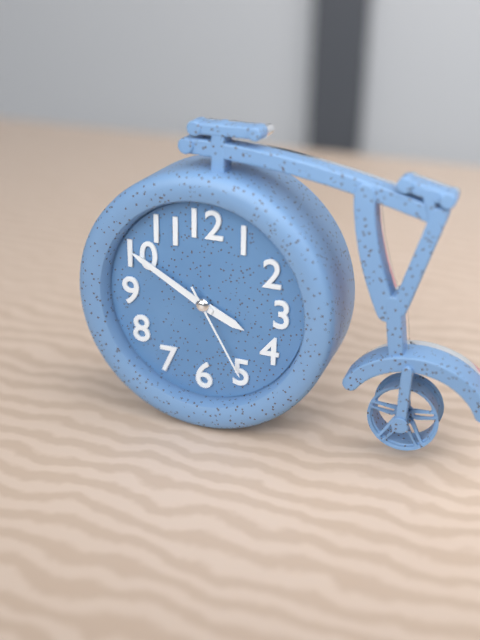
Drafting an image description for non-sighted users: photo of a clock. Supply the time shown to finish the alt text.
3:50:25
